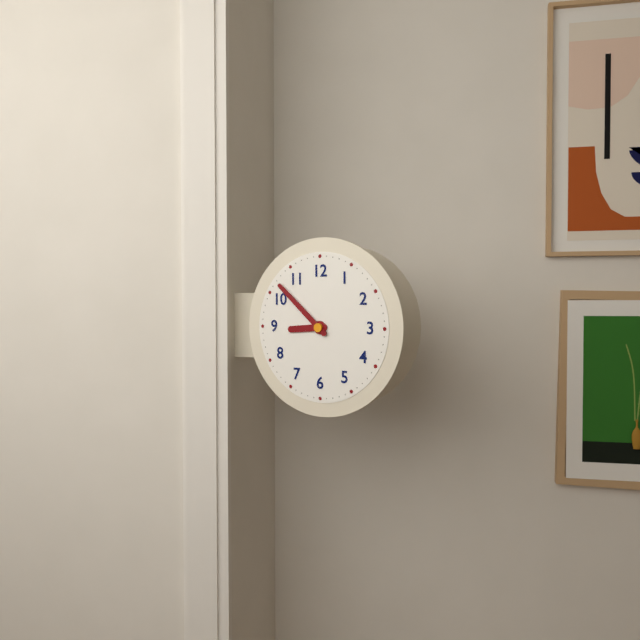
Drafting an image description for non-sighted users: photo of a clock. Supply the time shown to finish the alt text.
8:52
